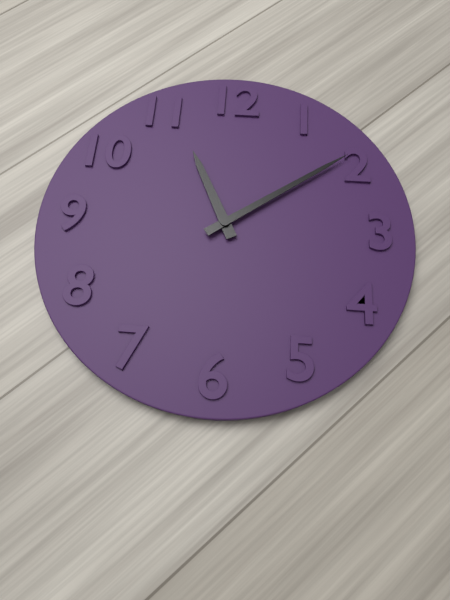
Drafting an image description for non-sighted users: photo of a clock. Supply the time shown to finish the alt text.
11:09
